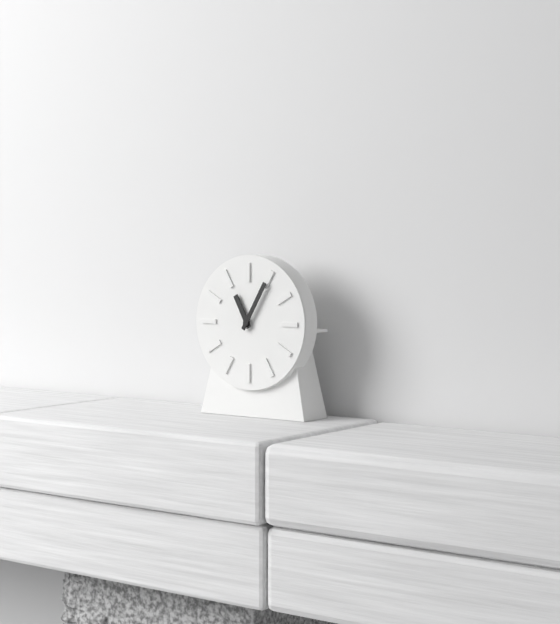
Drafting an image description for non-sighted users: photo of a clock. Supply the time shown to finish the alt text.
11:05
